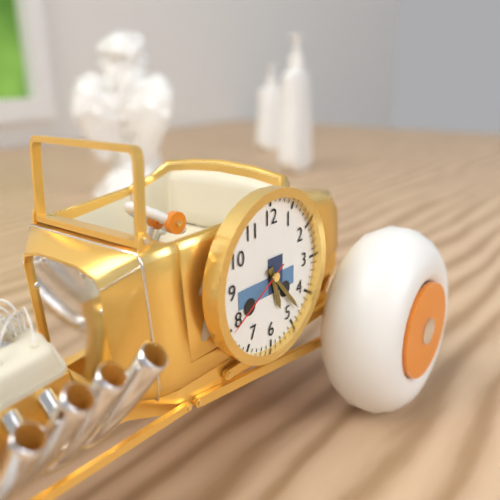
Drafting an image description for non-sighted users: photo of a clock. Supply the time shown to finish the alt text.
5:23:40
